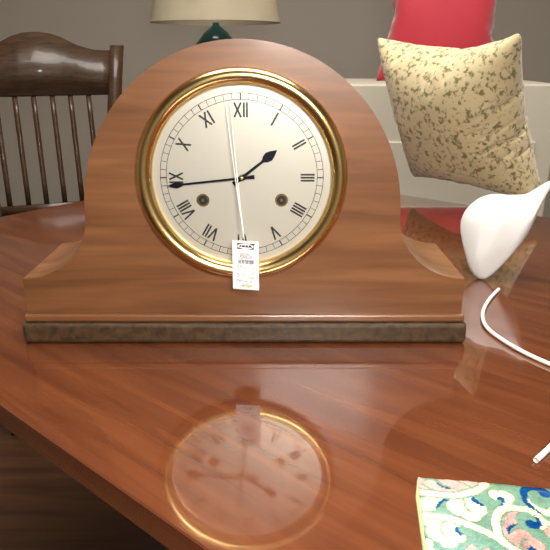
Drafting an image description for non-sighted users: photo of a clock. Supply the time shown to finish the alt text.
1:44
